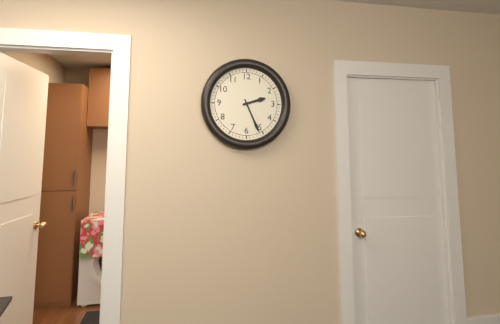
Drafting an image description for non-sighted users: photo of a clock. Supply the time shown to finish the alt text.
2:26
